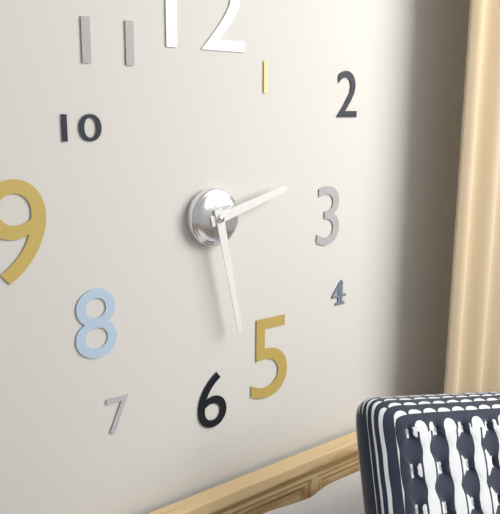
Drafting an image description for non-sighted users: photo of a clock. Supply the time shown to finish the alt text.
2:28
